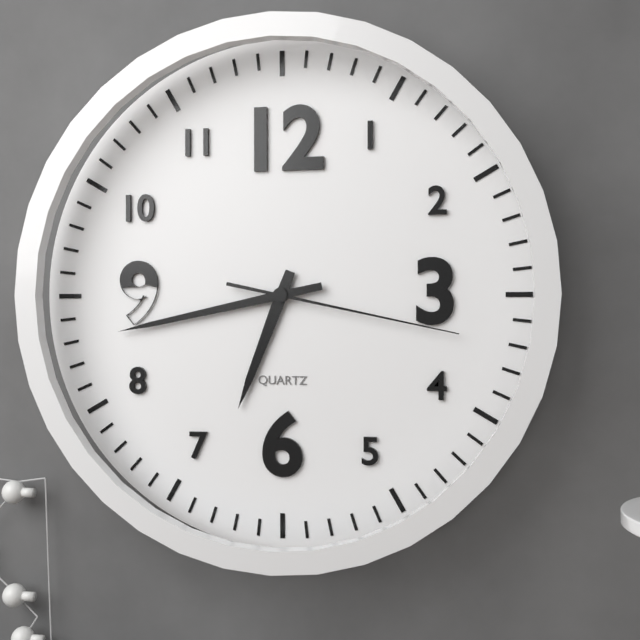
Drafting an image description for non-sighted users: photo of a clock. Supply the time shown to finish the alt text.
6:43:17
